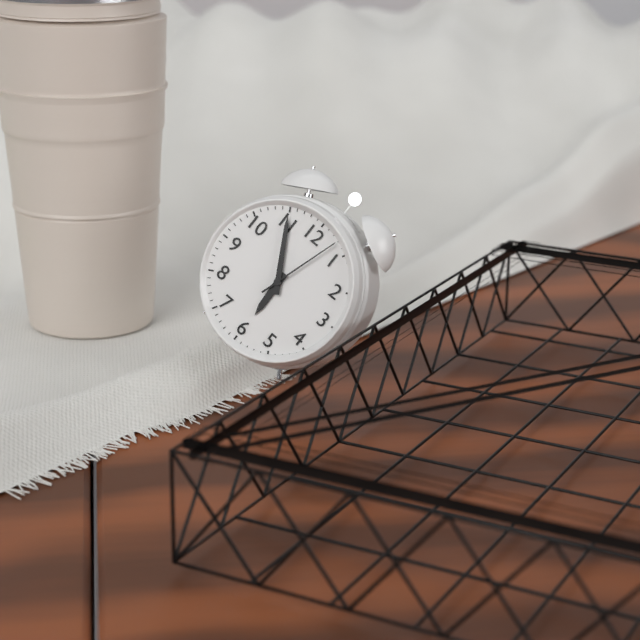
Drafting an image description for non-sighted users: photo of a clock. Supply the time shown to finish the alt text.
5:55:03
